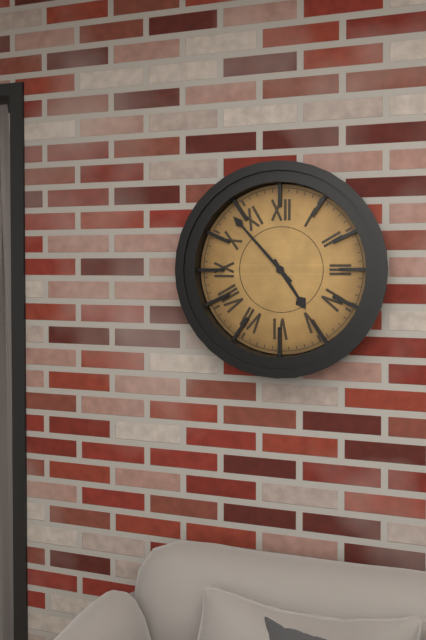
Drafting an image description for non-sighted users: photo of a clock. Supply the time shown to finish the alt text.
4:53
